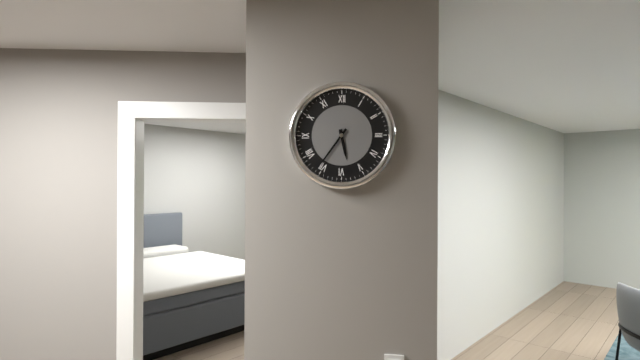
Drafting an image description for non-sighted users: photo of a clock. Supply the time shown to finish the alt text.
5:36
